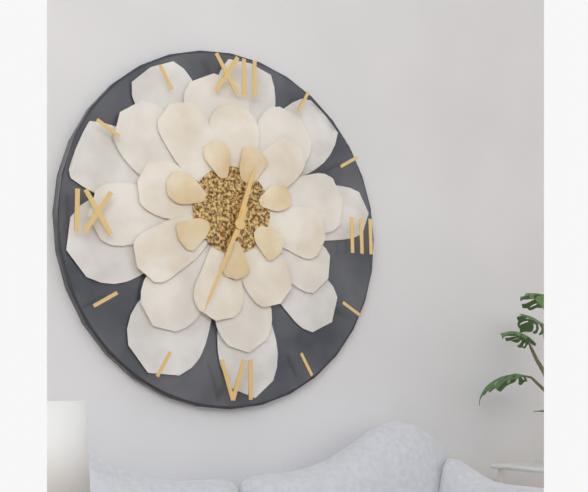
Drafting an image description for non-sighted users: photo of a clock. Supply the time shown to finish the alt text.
12:34
